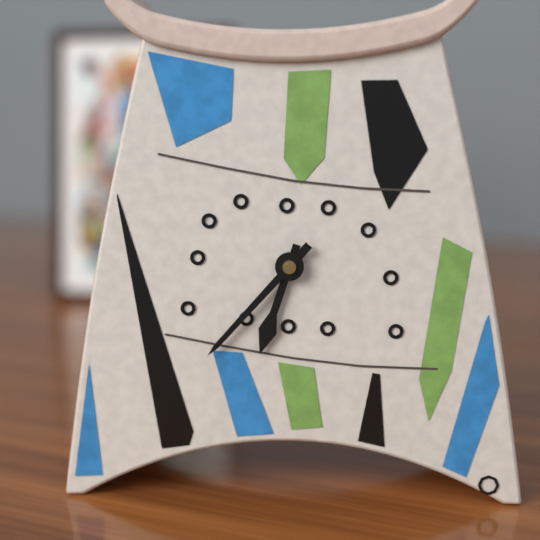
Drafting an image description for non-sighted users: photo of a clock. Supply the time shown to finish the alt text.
6:37
